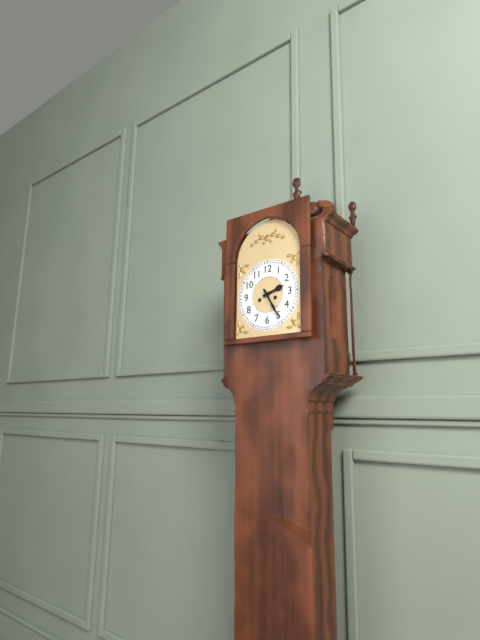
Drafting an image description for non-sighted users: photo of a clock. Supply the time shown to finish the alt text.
2:25
